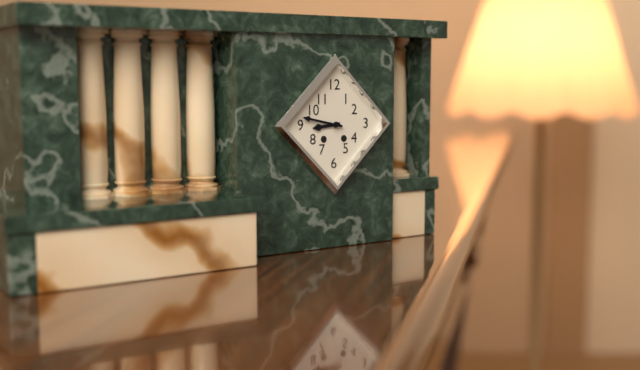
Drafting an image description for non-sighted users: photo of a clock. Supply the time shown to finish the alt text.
8:47
